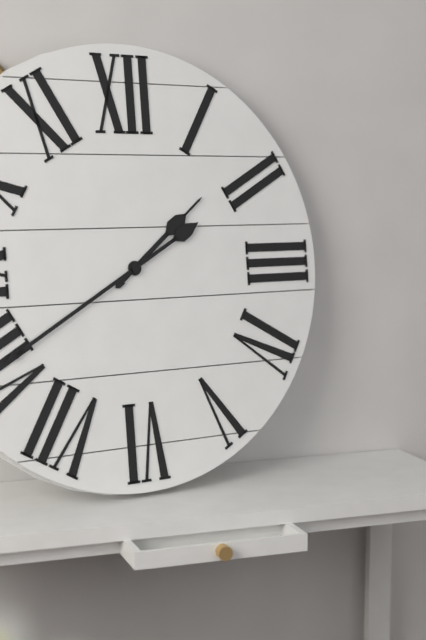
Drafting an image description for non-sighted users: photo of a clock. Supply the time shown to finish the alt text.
1:40
